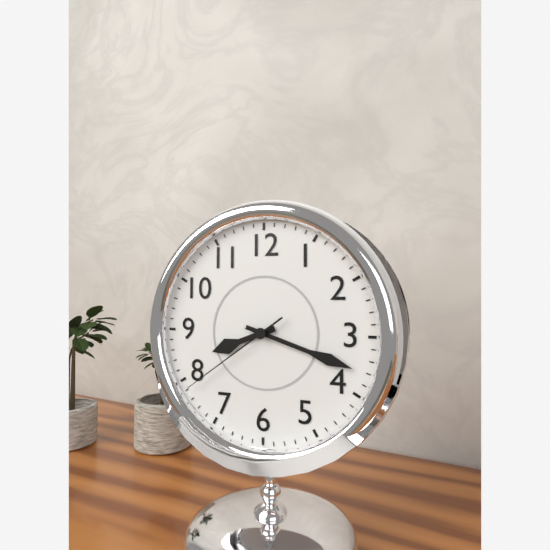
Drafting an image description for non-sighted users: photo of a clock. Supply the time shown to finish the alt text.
8:18:39
